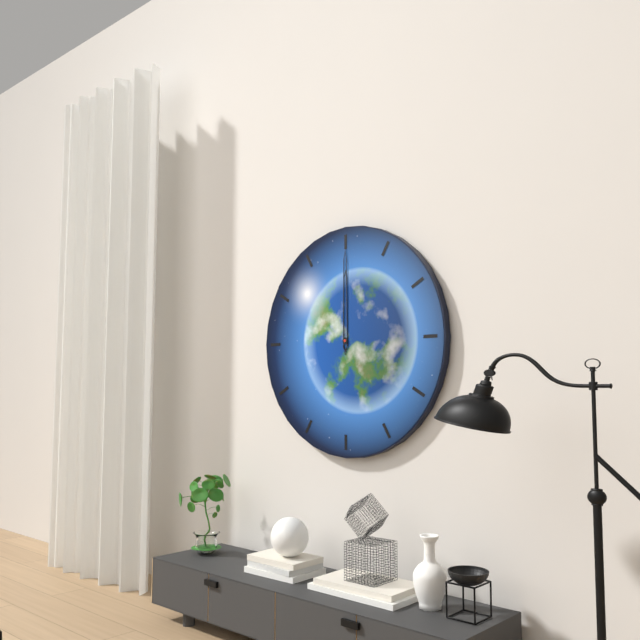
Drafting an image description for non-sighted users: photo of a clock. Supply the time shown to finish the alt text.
12:00
